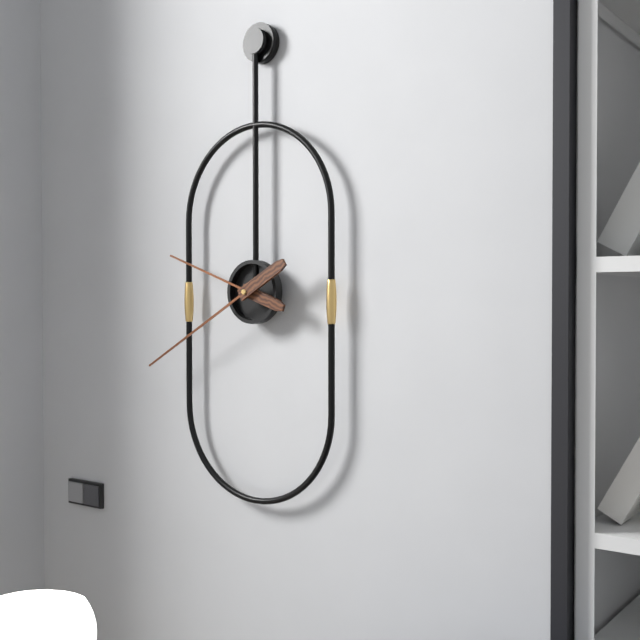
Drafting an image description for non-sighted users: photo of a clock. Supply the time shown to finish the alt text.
9:40
